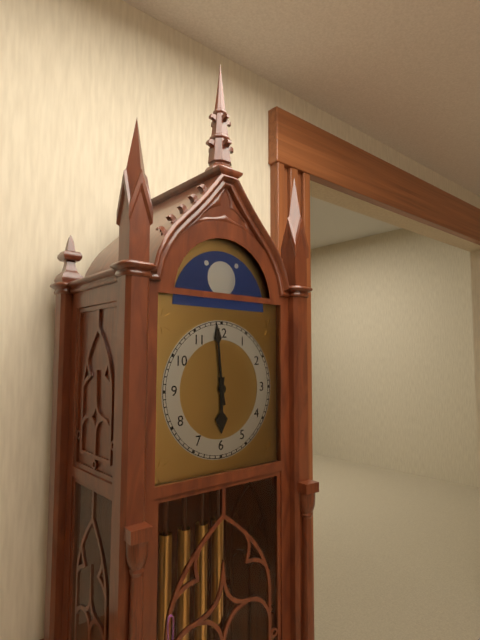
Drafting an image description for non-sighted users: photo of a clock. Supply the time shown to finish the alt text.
5:59
